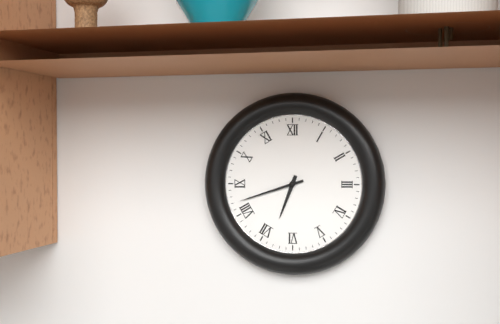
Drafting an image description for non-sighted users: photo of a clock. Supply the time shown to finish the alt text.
6:42
